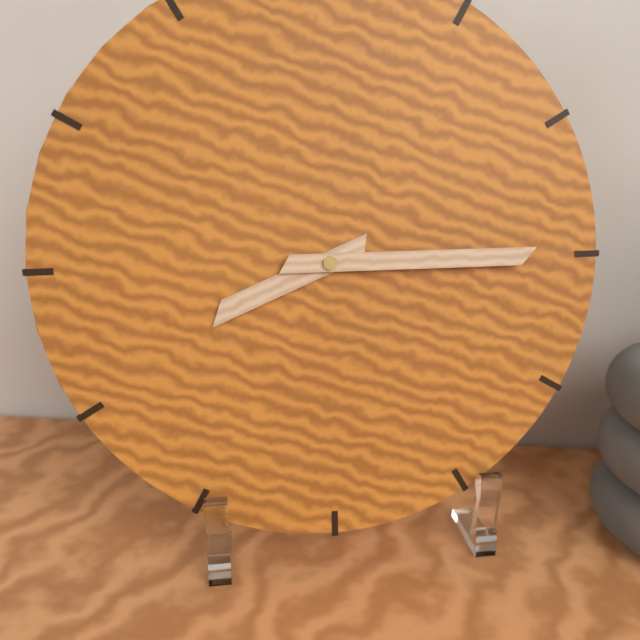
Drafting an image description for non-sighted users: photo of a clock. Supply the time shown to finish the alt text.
8:15
